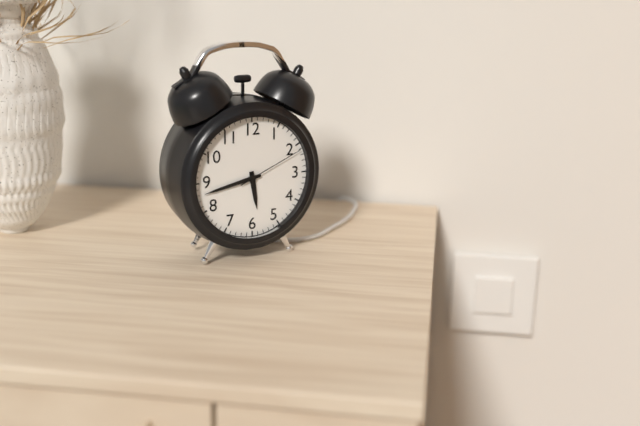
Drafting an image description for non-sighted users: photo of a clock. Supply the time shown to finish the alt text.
5:43:11
